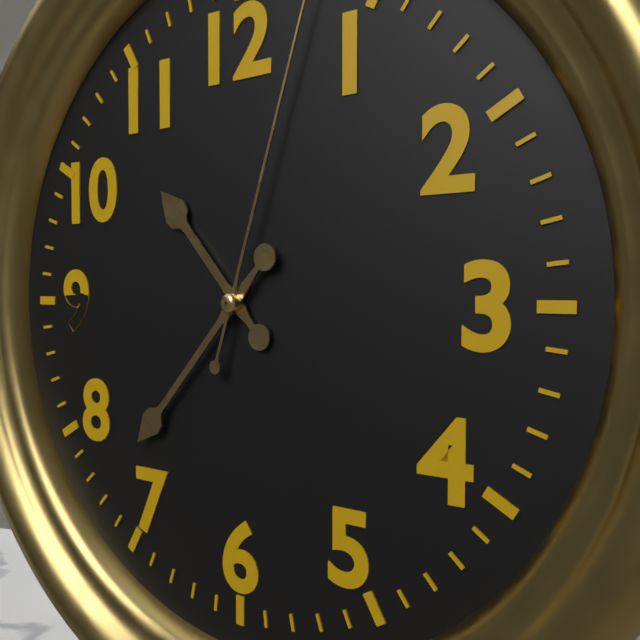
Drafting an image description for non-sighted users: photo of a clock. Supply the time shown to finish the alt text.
10:37
